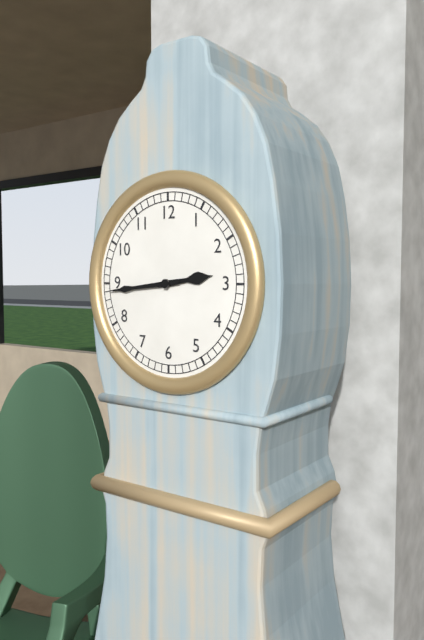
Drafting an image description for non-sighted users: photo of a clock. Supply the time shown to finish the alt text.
2:44
